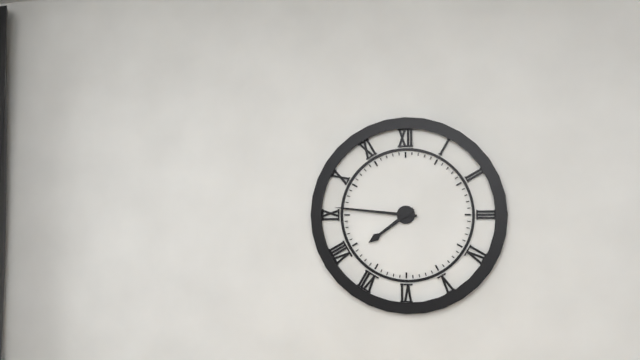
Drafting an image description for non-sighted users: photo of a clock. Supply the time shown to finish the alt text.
7:46
